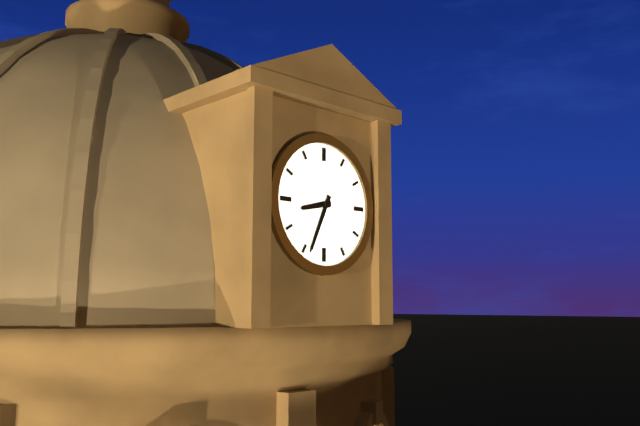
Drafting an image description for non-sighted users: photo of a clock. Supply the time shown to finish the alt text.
8:34
